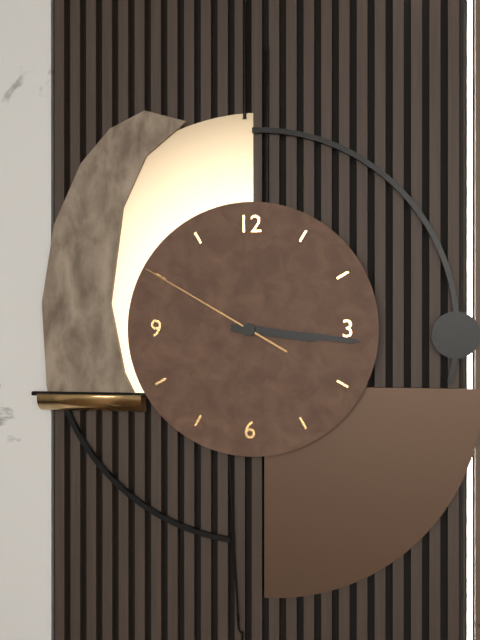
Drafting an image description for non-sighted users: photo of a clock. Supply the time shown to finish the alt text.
3:16:50
